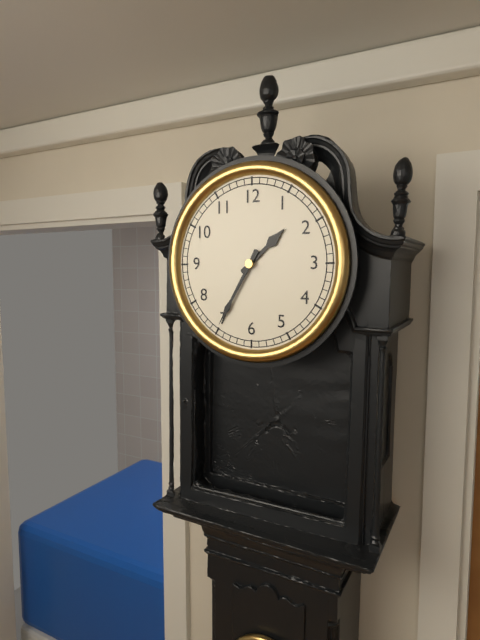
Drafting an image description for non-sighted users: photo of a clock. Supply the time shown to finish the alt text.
1:35
